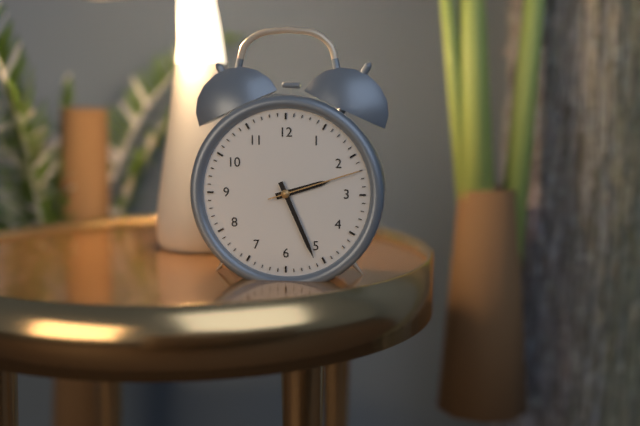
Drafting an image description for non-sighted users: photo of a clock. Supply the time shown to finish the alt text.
2:26:12
